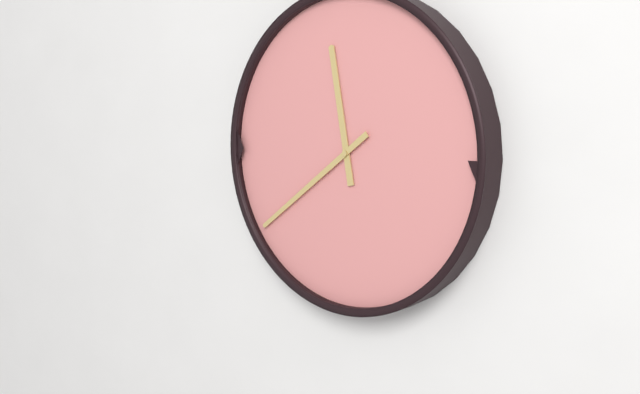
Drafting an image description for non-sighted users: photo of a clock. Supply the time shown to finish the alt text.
11:39
